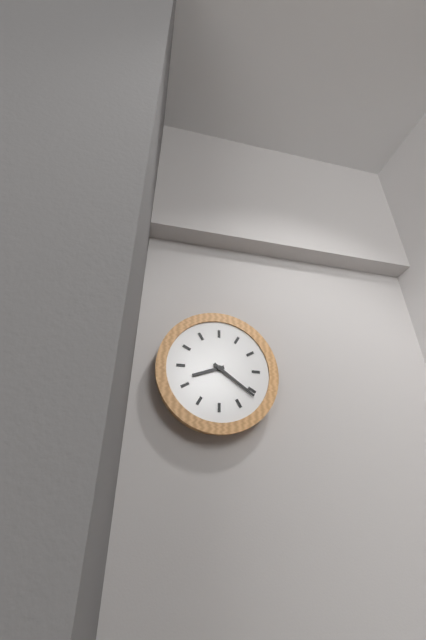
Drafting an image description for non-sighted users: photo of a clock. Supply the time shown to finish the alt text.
8:21
